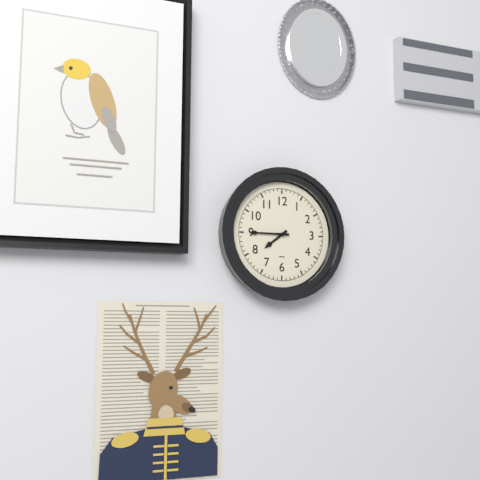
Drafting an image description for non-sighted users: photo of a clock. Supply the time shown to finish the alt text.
7:45
